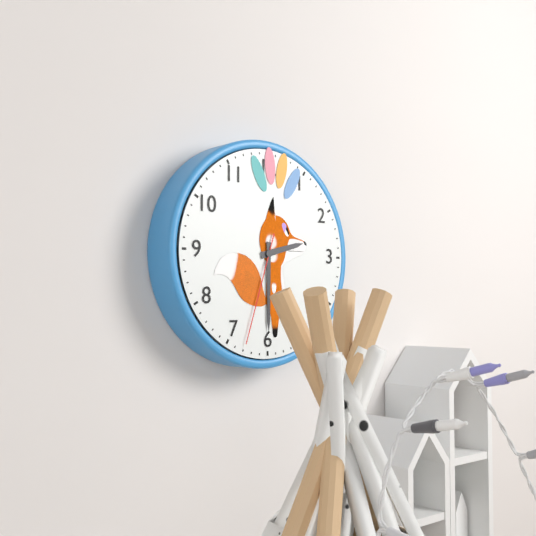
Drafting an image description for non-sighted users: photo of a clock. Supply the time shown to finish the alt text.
2:30:33
